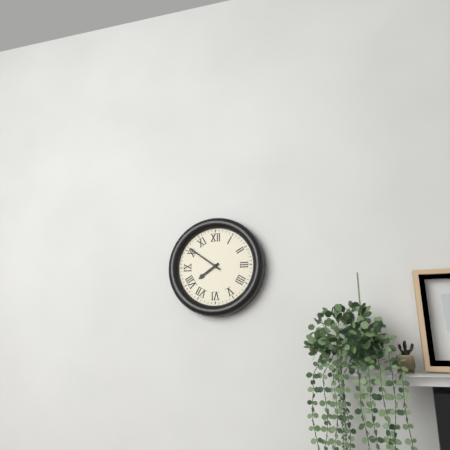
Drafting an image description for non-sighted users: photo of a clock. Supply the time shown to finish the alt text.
7:51
